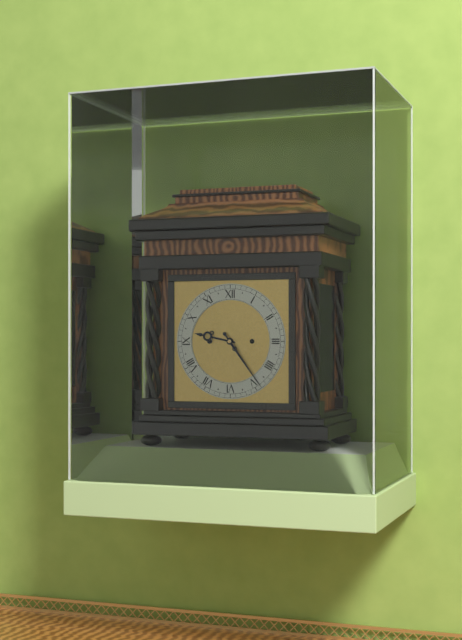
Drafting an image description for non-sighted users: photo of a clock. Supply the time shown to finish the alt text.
9:24
